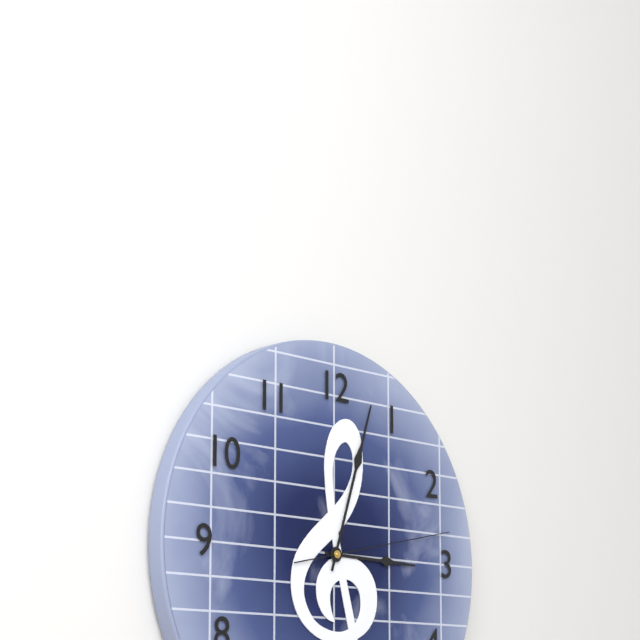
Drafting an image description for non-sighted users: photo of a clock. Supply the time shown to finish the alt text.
3:03:13
